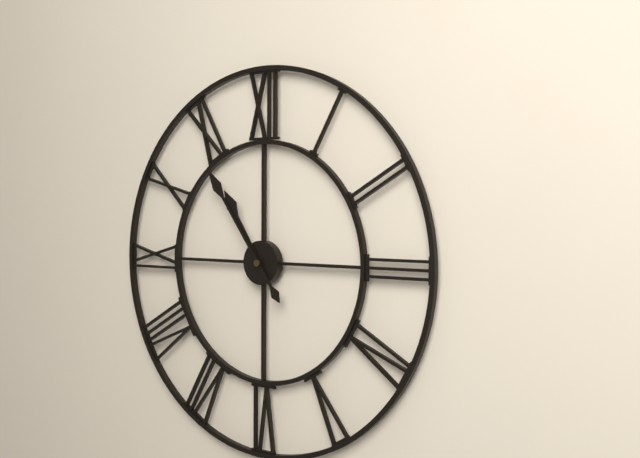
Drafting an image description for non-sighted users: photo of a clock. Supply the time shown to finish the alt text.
10:54
